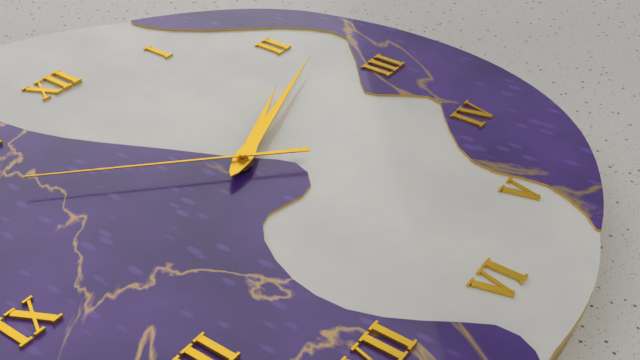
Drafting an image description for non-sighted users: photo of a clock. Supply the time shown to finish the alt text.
2:12:52
